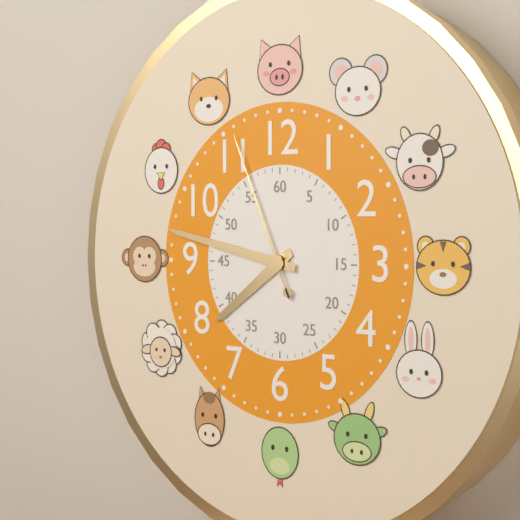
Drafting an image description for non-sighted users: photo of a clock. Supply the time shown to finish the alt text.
7:47:56
